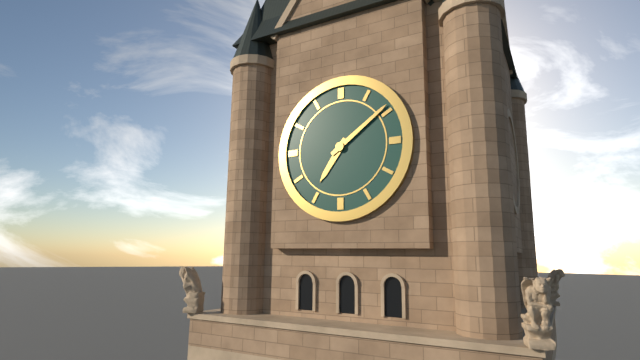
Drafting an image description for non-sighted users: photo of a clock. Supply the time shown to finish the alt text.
7:09
